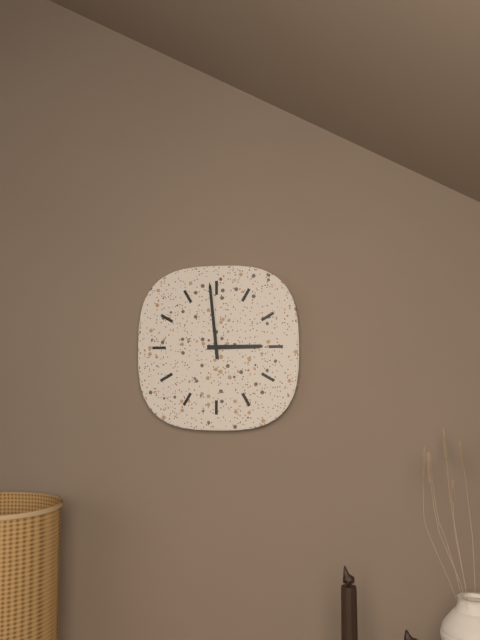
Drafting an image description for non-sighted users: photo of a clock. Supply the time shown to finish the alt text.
2:59
